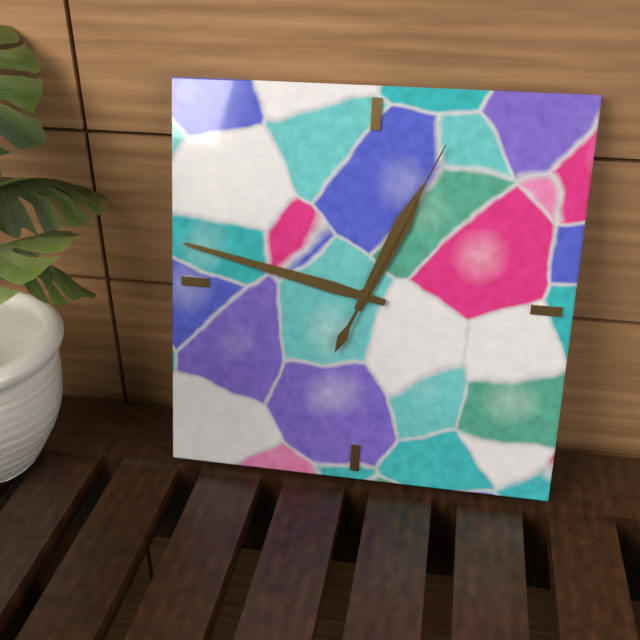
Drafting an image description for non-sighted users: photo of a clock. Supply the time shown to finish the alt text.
12:47:04
